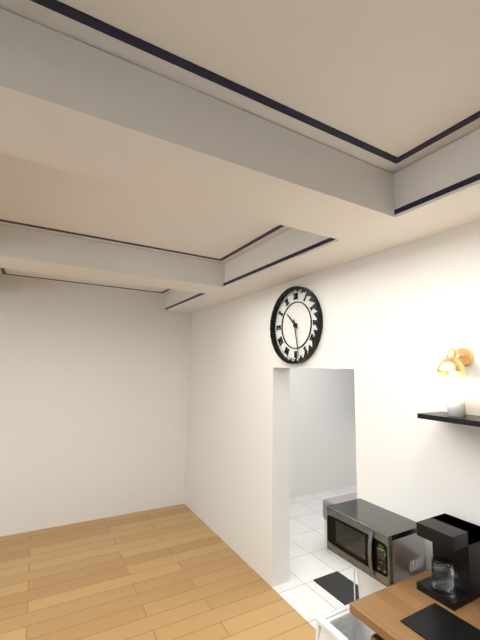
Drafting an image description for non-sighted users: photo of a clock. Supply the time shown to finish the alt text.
10:28
